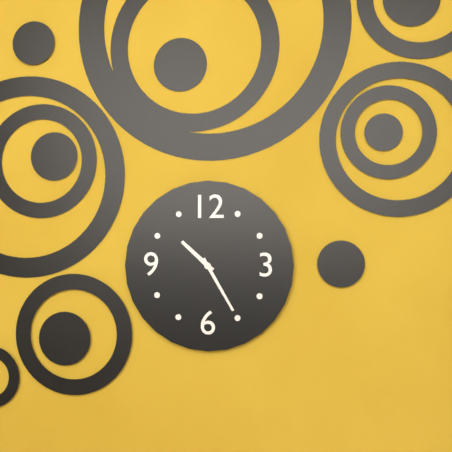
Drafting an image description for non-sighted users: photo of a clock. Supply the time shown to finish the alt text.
10:25
